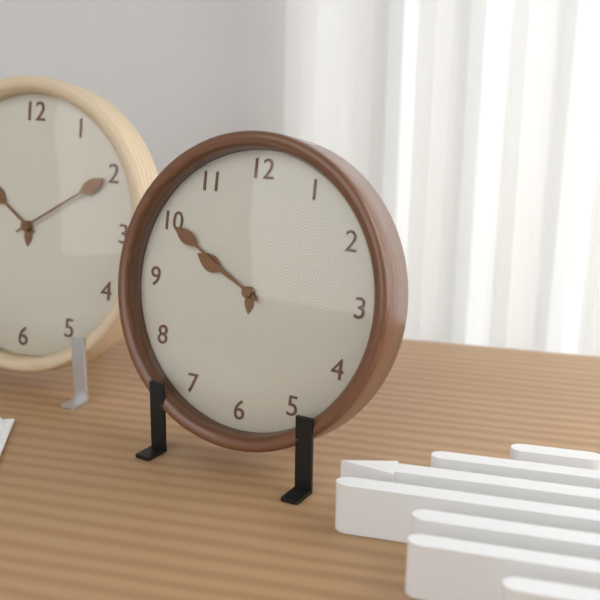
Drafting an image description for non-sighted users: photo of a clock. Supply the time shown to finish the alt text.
9:50
